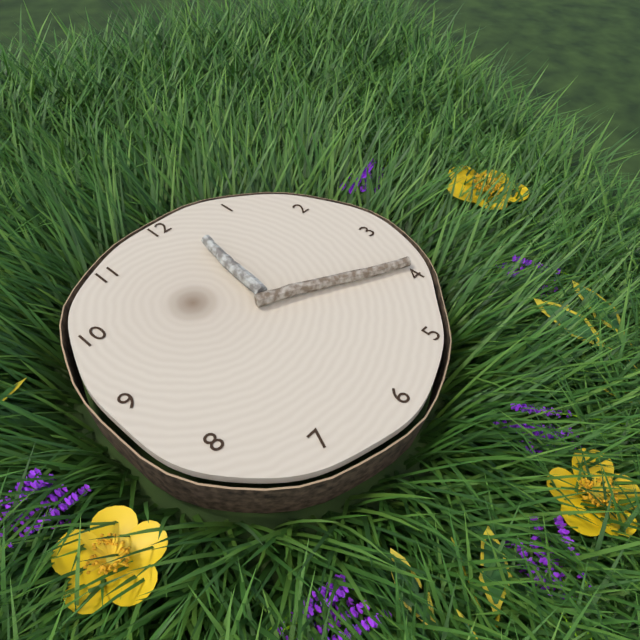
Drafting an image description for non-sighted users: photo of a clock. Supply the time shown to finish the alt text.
12:19
